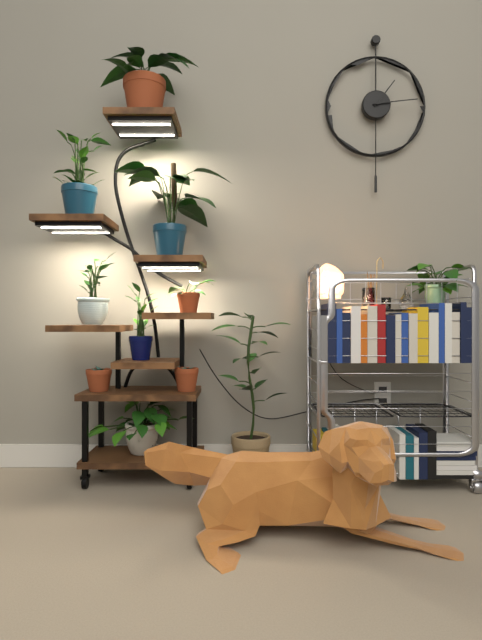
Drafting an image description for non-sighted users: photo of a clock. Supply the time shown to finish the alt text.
1:14
